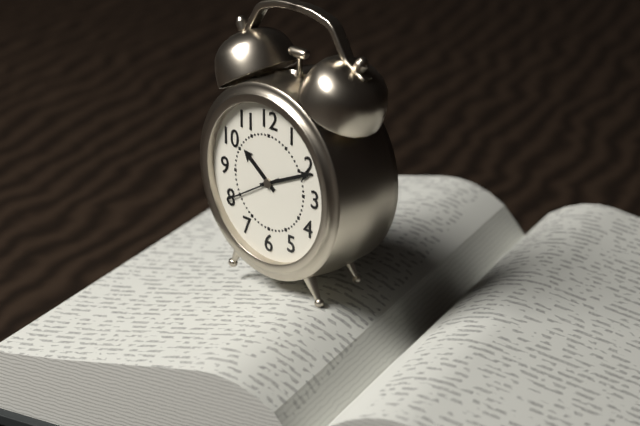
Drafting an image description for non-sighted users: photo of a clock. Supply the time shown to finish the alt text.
10:11:40
